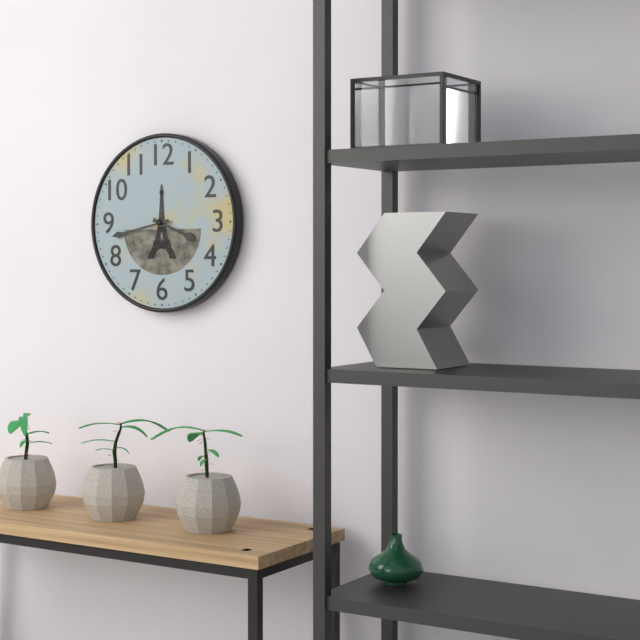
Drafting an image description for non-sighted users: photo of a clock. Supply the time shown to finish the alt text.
3:43
